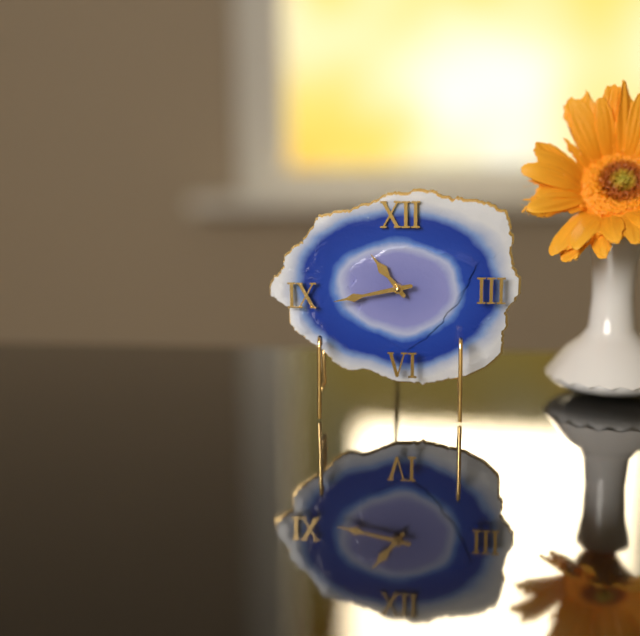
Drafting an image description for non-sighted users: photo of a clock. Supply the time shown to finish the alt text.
10:43
